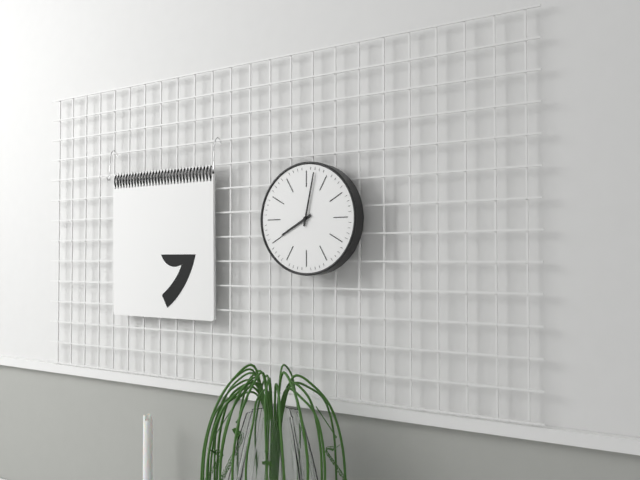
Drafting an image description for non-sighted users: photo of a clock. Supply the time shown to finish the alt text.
8:02
